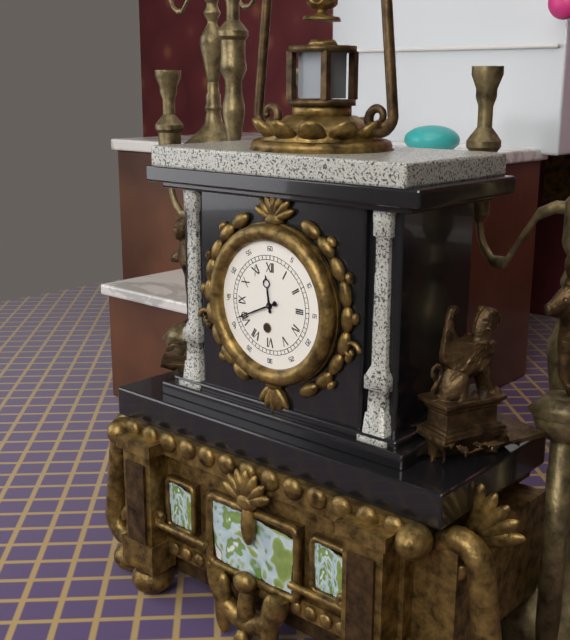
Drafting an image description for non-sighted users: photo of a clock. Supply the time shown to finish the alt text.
11:41
